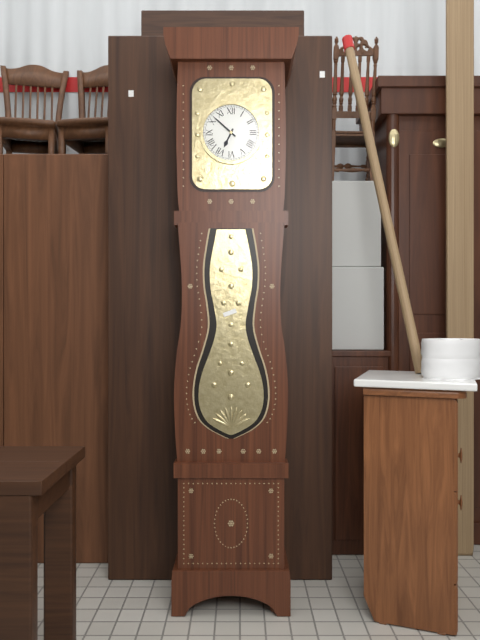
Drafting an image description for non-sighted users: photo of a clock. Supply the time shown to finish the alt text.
6:52
